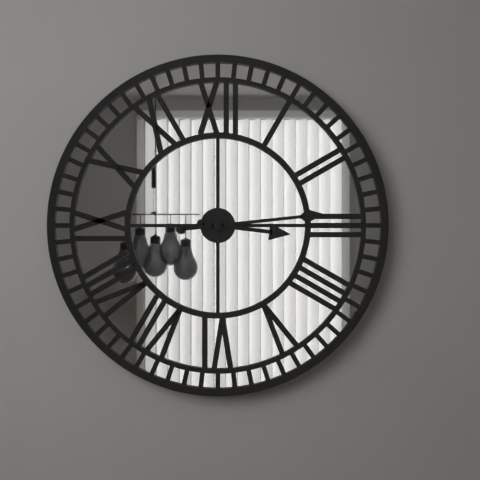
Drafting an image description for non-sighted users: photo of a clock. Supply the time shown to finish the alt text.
3:14
